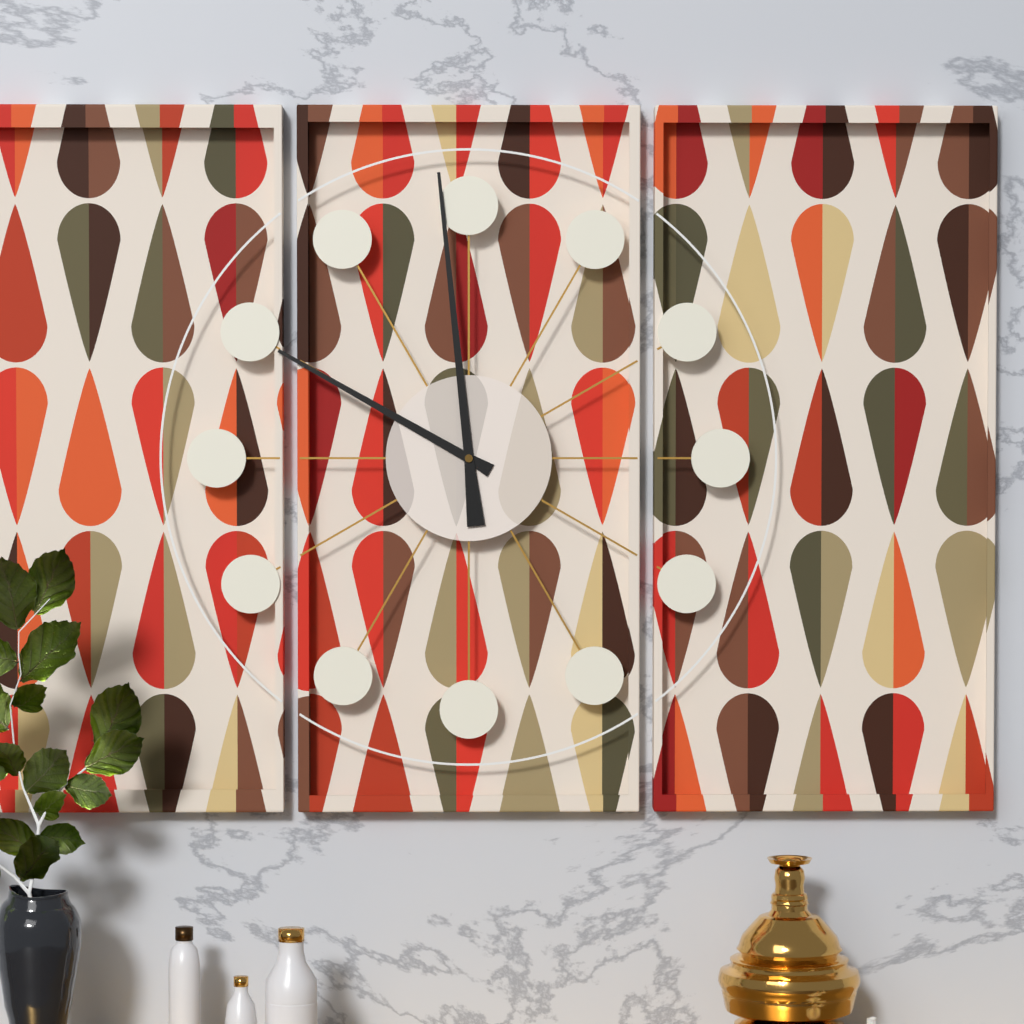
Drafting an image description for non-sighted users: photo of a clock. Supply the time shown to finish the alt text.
9:59
